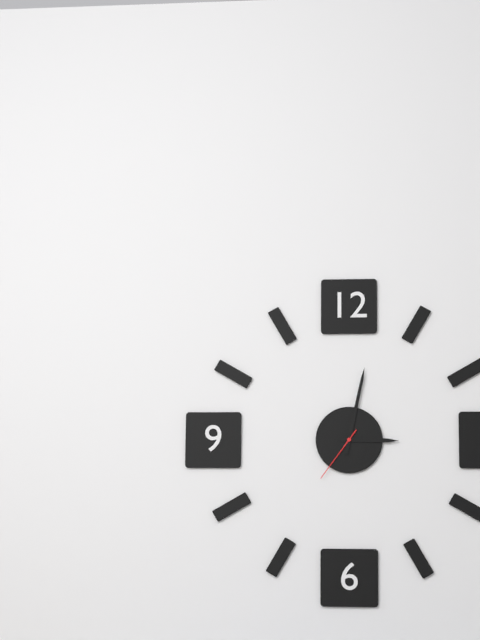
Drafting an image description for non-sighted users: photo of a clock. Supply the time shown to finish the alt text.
3:02:36
